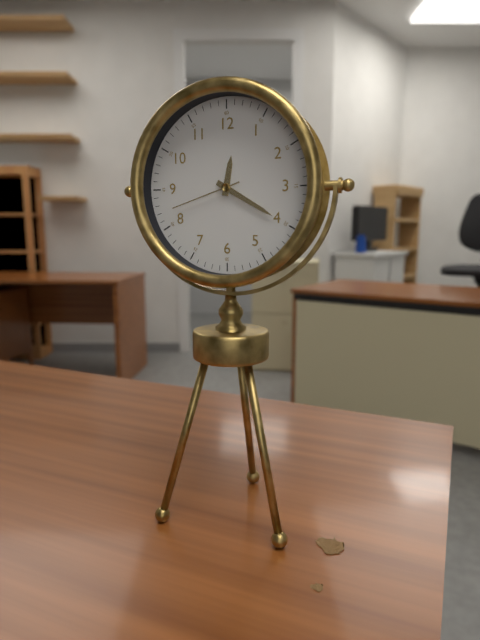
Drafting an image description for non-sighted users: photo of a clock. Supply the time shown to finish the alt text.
12:20:42
